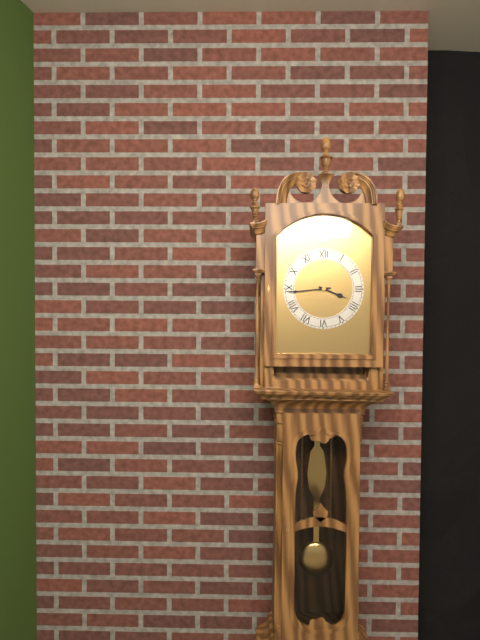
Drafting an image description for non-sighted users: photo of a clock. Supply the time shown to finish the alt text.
3:44
